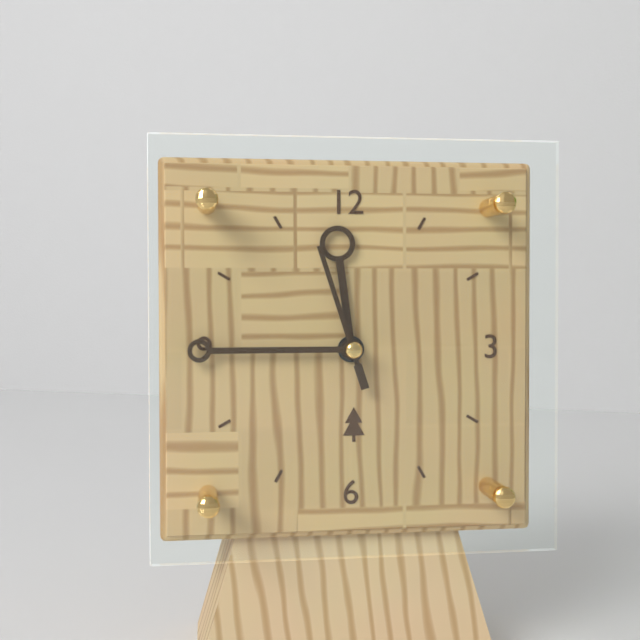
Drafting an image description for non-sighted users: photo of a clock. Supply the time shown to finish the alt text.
11:45:57
